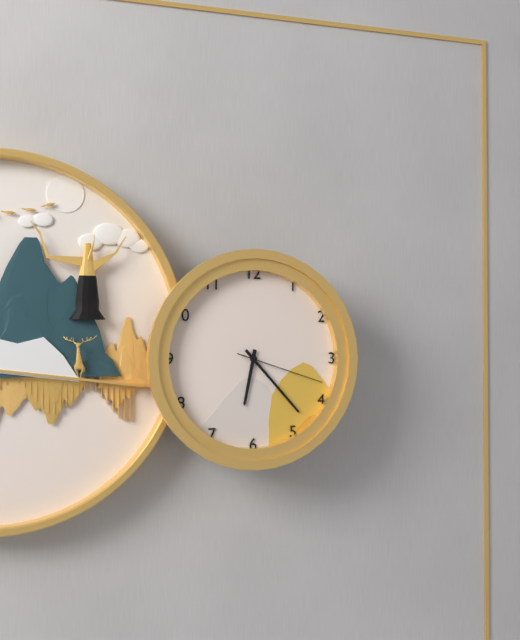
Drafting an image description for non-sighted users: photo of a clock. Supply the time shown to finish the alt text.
6:23:18
